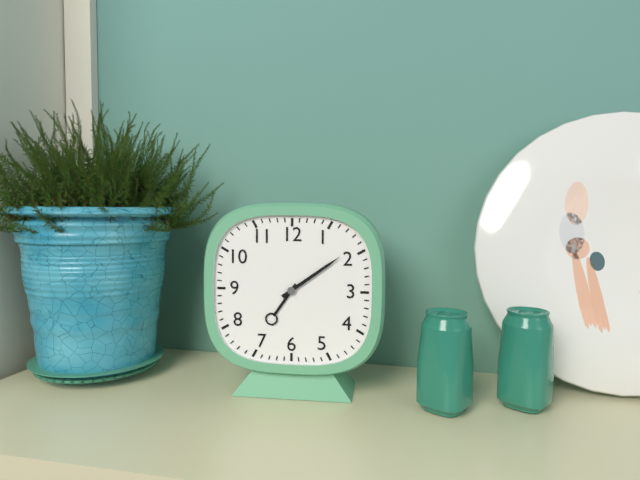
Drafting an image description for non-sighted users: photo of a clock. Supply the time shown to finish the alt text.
7:09
